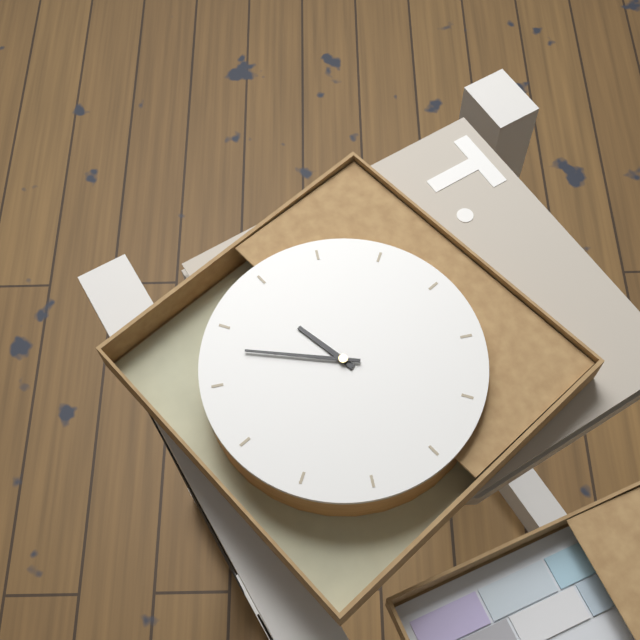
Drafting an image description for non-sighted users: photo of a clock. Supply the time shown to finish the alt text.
9:43
